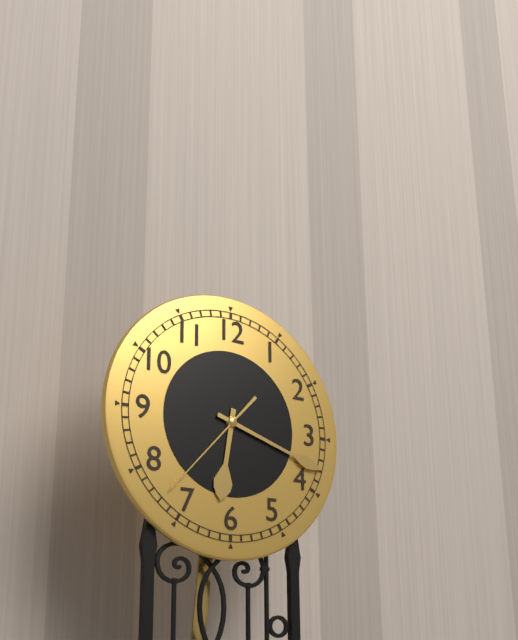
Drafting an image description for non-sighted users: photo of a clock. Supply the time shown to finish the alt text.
6:18:37
